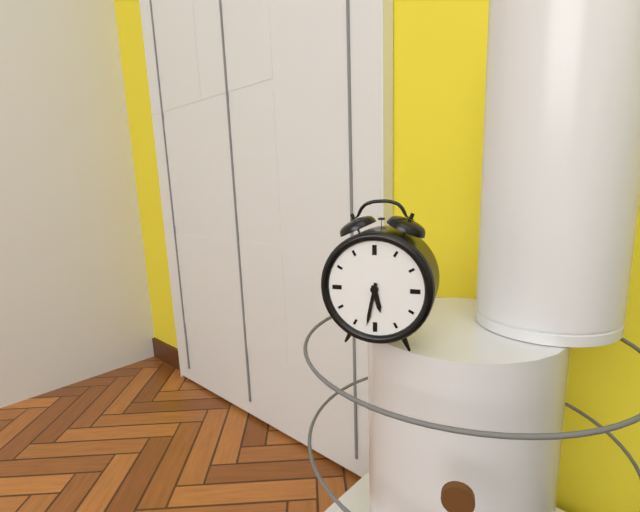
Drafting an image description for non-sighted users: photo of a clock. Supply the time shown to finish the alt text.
5:32
